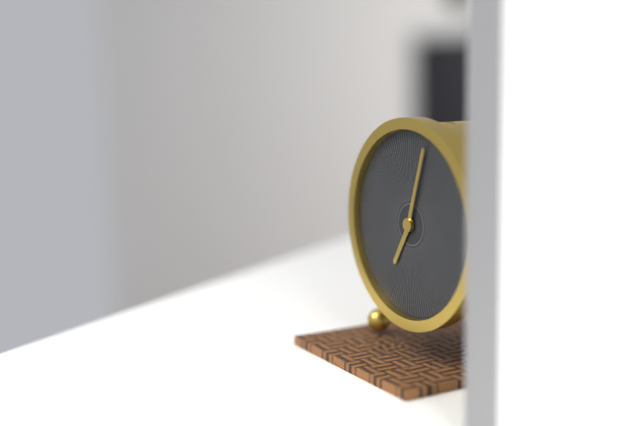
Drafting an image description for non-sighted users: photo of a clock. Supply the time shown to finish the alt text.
7:03
